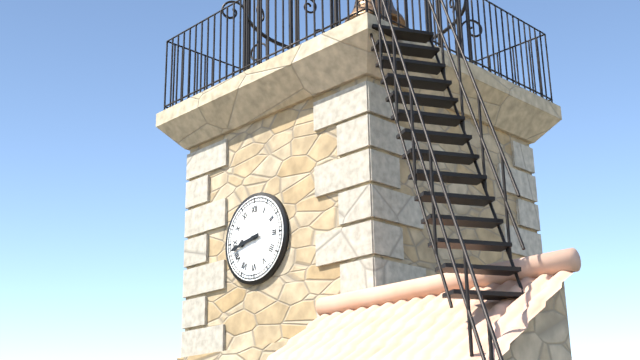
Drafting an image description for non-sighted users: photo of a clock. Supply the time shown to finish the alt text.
8:43
